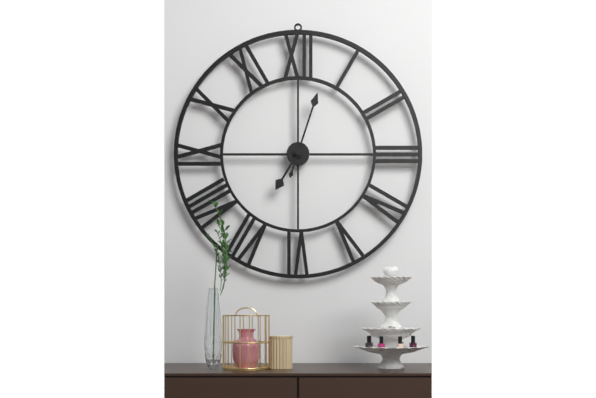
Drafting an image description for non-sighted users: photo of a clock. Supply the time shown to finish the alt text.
7:03
